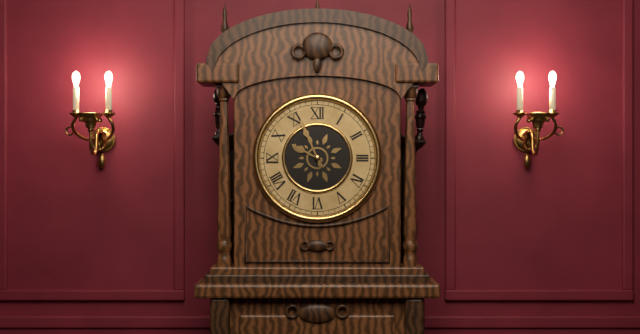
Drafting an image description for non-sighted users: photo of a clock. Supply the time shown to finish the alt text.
9:56
